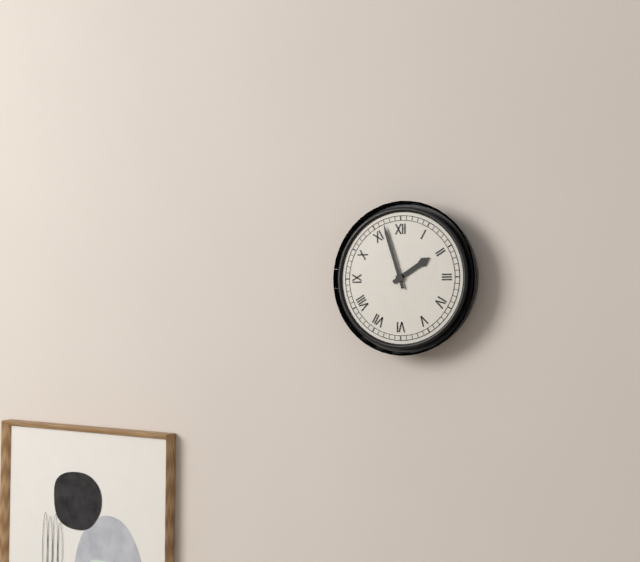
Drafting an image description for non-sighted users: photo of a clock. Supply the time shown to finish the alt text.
1:57
